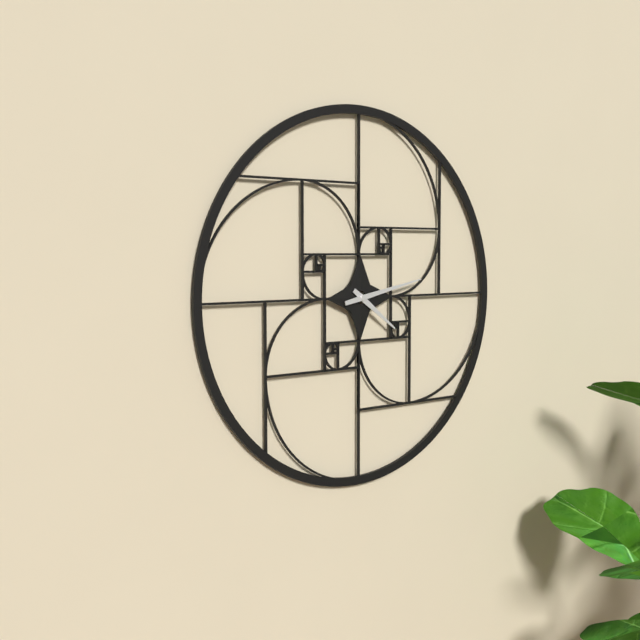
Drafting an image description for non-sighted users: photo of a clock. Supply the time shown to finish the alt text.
4:13
